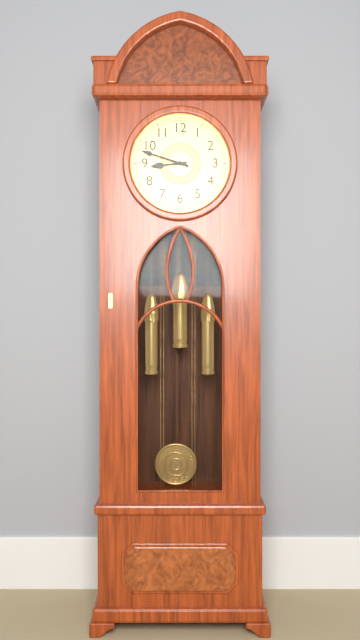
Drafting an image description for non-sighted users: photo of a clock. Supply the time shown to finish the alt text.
8:48
